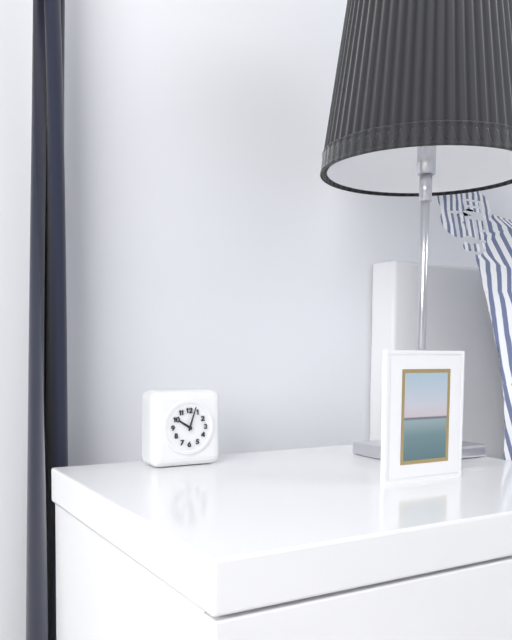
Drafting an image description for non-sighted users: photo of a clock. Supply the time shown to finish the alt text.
10:03
